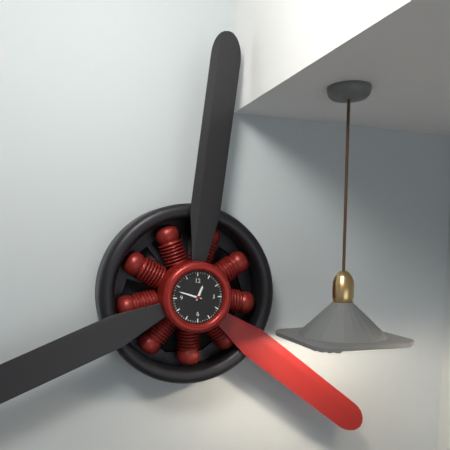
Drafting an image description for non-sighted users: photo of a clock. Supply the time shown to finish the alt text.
12:48
